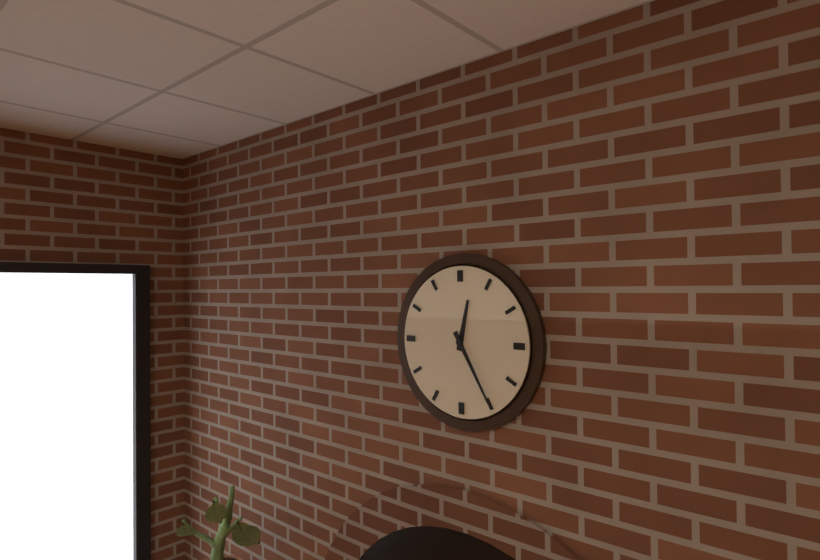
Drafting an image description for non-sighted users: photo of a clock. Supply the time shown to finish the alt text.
12:25
